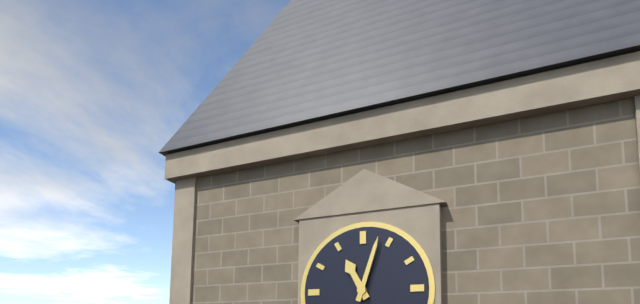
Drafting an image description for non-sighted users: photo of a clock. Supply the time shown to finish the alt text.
11:03
